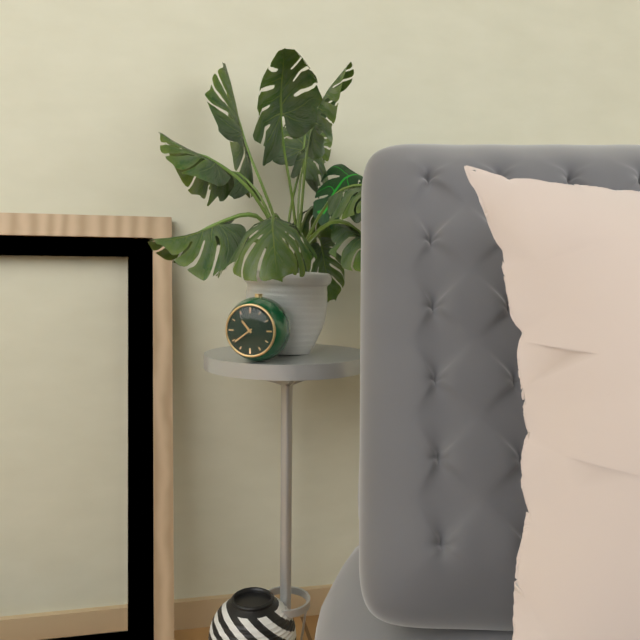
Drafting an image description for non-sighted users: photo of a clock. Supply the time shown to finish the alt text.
10:39
